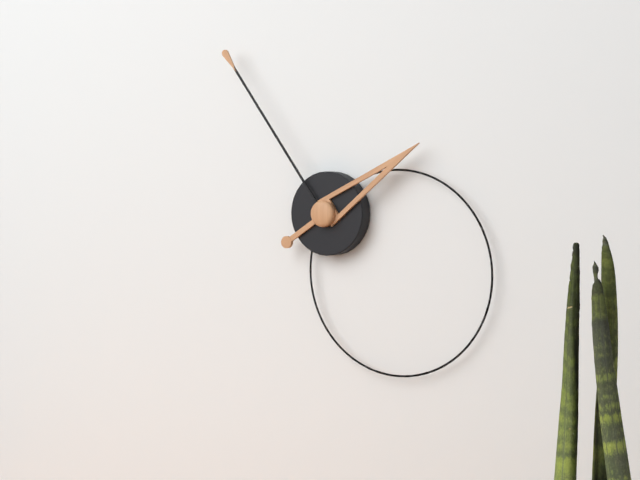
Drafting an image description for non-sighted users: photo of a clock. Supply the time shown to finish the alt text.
1:54
